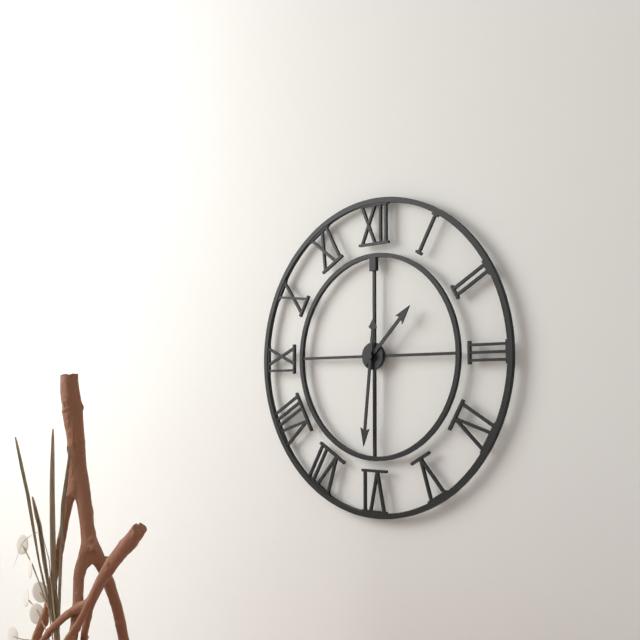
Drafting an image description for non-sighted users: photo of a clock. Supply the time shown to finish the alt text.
1:31
